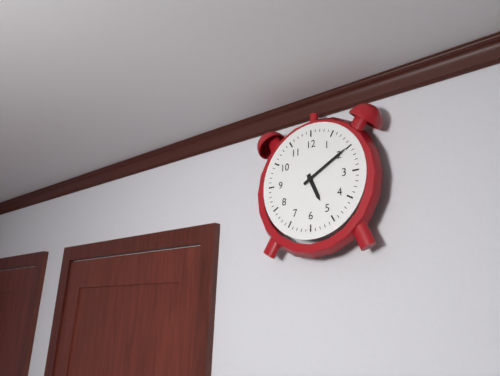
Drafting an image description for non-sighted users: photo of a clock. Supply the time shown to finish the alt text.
5:10
